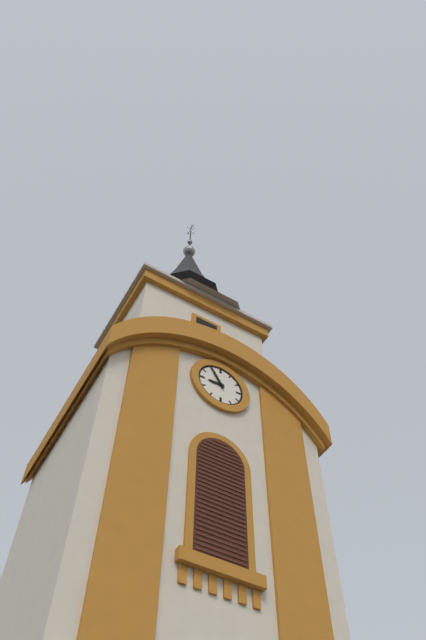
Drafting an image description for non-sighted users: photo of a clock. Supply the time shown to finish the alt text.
8:55
